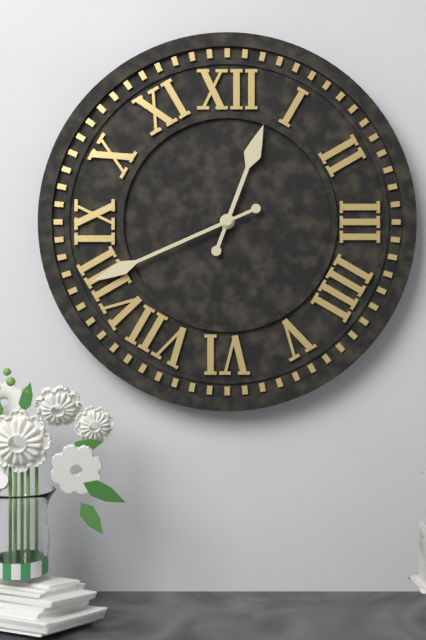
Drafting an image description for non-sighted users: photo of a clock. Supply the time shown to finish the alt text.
12:41
